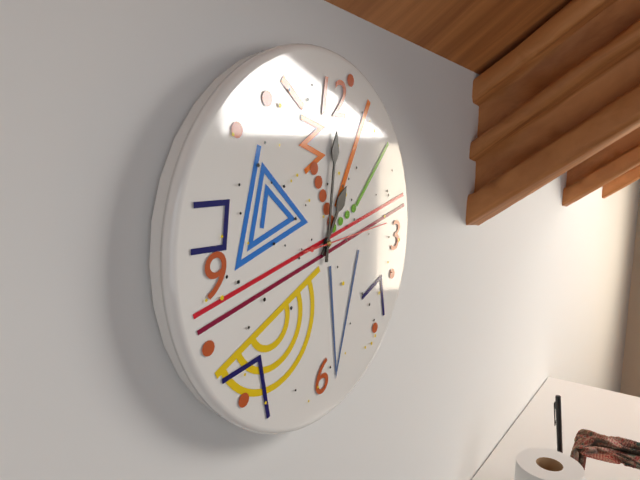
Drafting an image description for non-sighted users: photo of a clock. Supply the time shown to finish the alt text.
1:01:14
